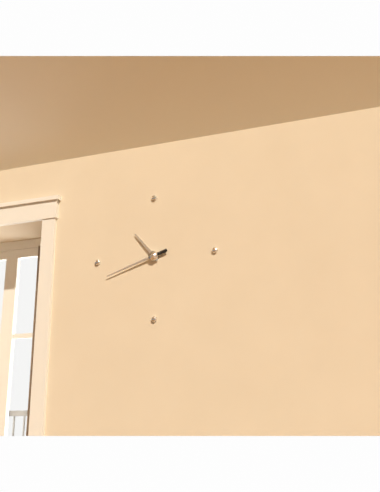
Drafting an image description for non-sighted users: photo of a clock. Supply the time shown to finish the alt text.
10:42
